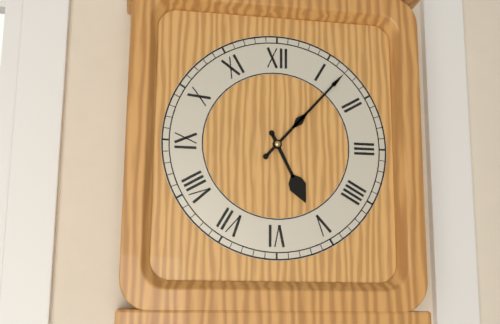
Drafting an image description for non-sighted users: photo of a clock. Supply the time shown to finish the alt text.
5:07
